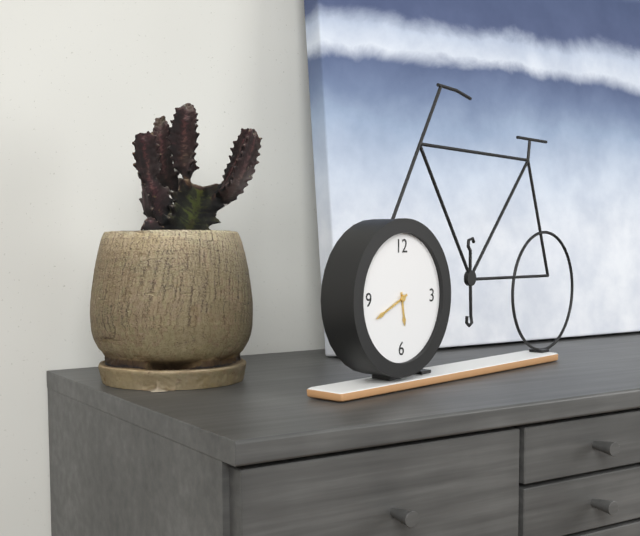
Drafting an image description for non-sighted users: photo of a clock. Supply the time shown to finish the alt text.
5:41
